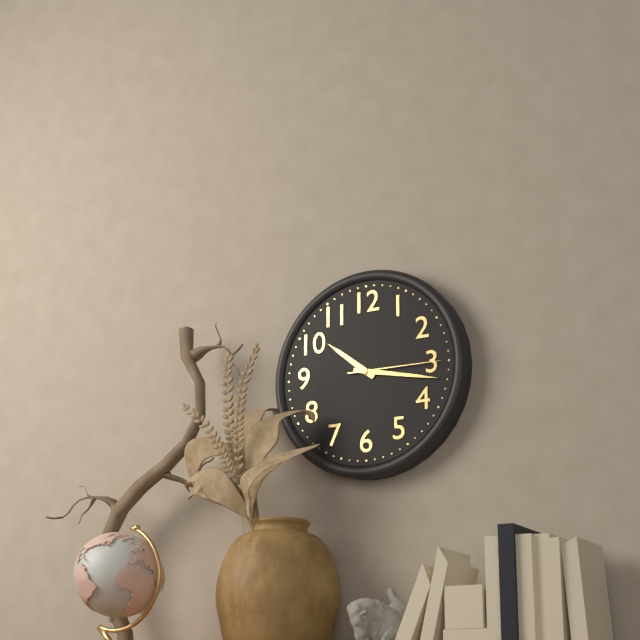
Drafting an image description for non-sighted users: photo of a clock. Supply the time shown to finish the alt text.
10:17:15
